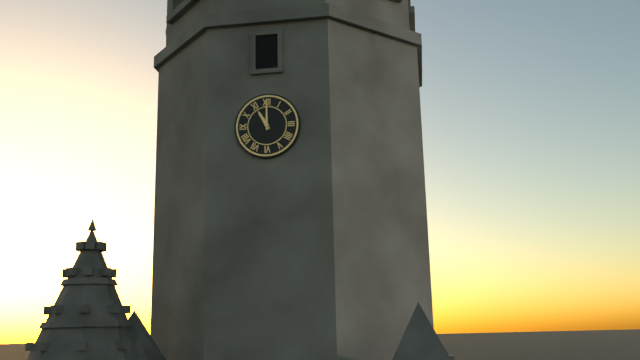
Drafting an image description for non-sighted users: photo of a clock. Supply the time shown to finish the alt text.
11:00
